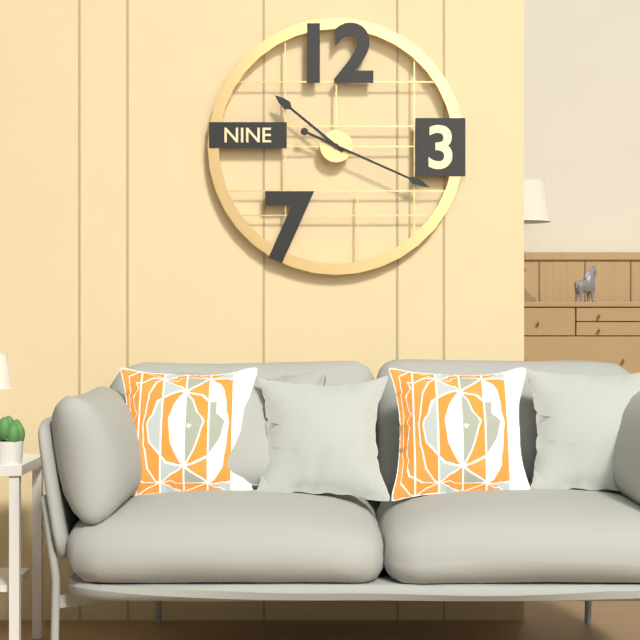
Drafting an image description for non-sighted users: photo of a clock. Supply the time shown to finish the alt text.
10:19
